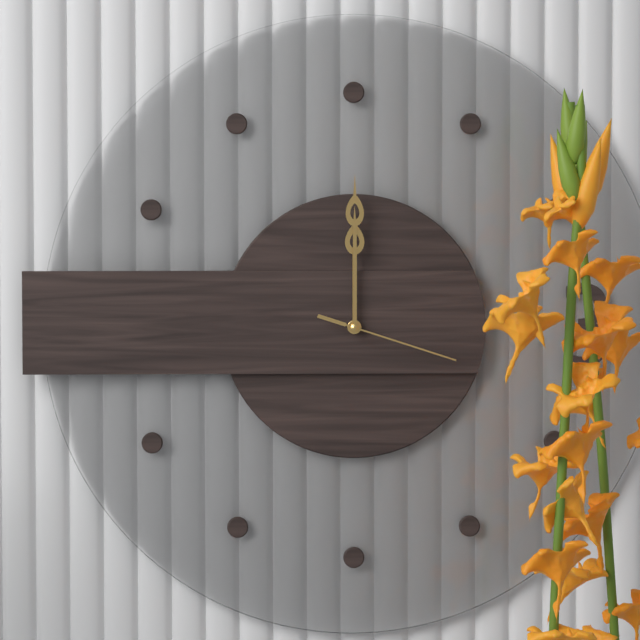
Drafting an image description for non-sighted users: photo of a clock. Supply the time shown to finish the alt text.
12:00:18
